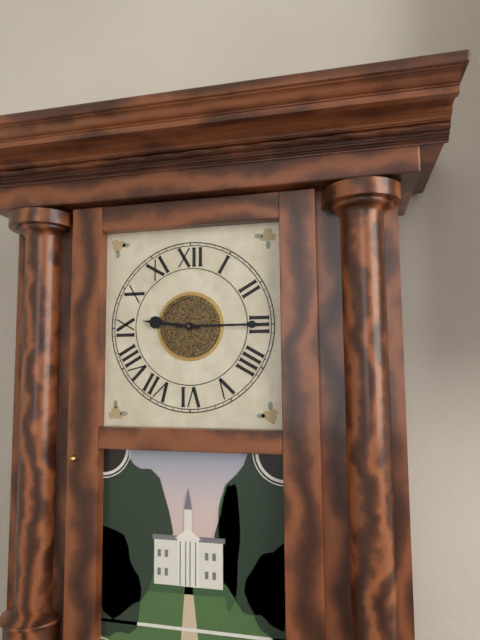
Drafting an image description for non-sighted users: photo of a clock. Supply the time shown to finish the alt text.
9:15
